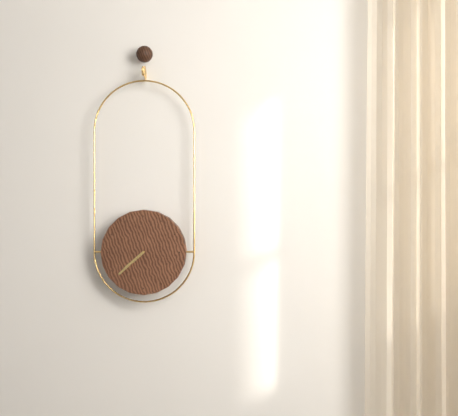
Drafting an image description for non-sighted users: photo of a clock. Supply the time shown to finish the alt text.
7:38
